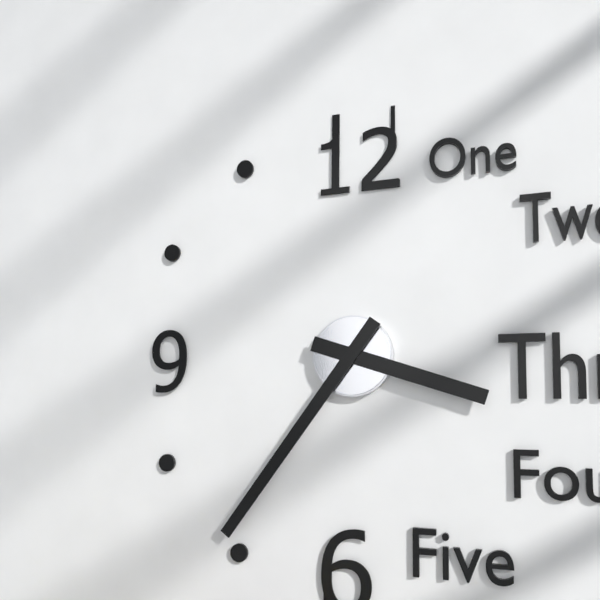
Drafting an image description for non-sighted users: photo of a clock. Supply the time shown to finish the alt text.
3:36
